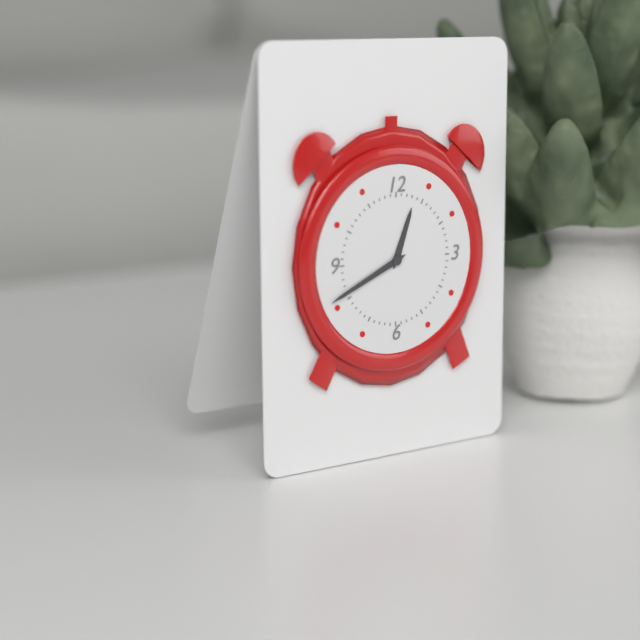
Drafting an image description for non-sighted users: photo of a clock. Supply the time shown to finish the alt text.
12:41
